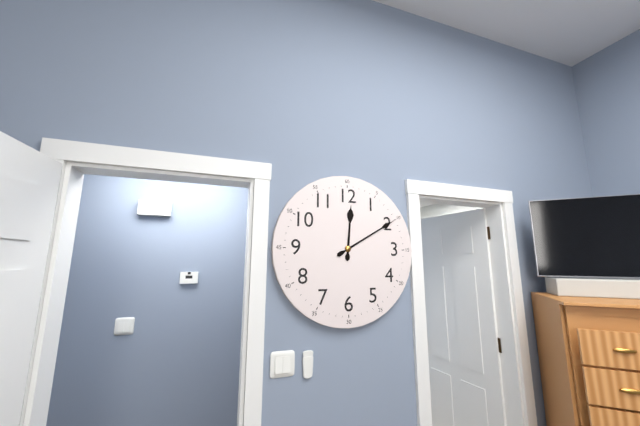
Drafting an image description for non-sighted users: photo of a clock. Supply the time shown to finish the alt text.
12:10
